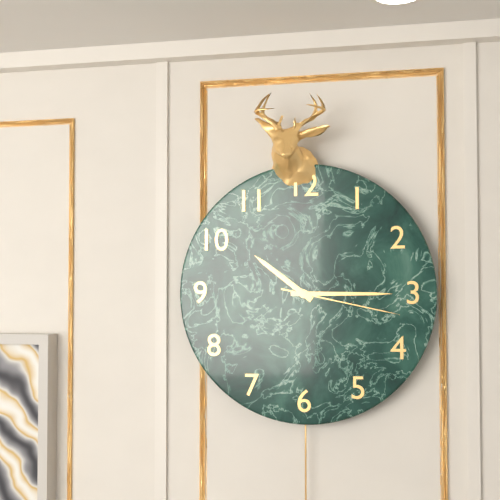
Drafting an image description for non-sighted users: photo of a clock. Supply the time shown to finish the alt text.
10:15:17
